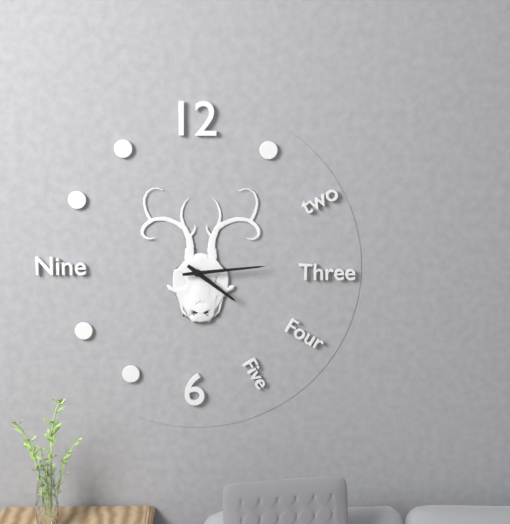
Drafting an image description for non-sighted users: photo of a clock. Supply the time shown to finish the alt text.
4:14
